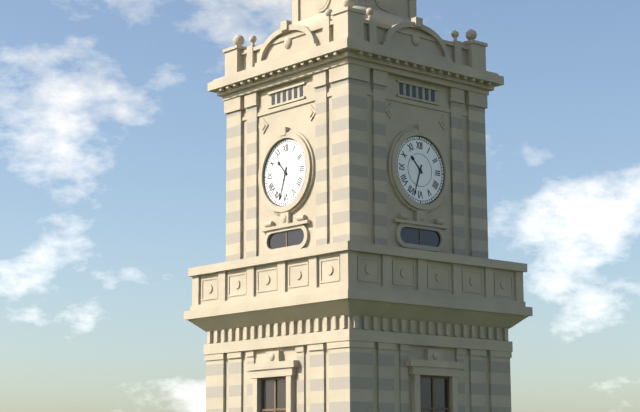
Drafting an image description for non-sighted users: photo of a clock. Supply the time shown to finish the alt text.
10:33
